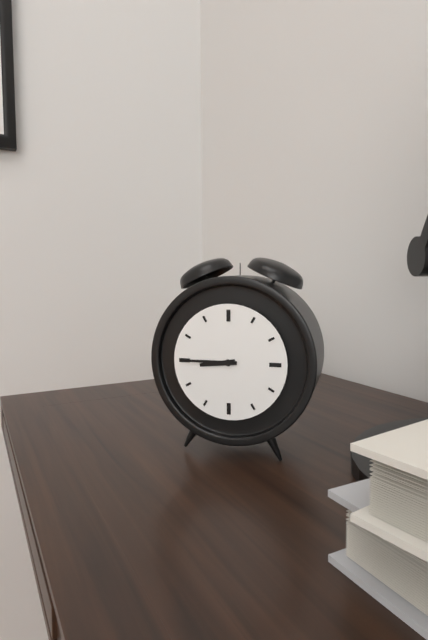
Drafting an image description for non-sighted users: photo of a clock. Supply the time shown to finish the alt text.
8:45
